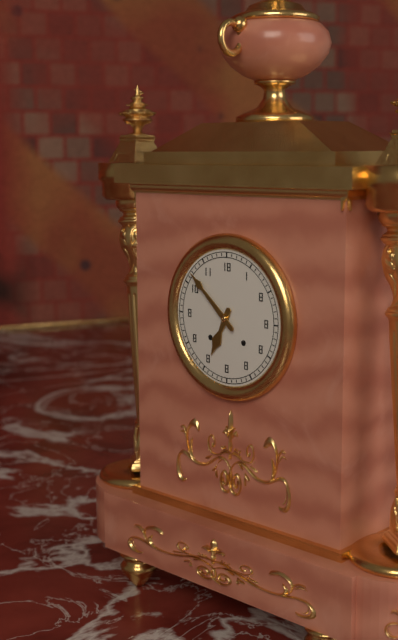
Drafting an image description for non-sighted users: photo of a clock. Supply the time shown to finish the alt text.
6:52
